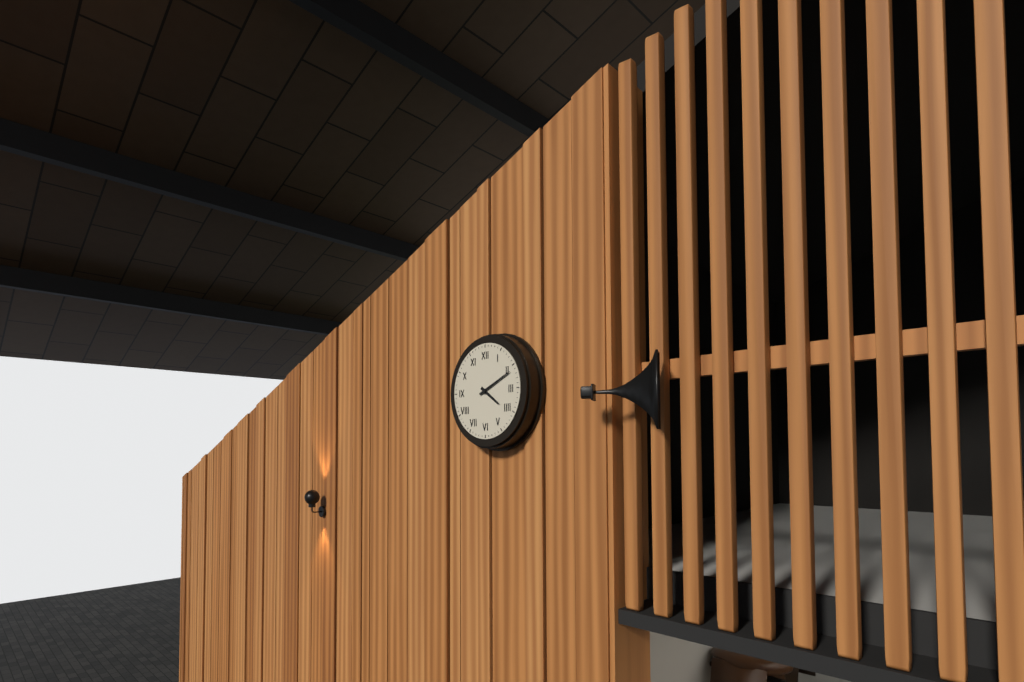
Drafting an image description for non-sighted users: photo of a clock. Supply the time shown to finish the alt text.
4:11
